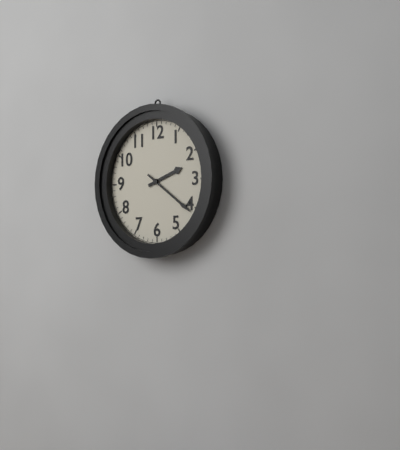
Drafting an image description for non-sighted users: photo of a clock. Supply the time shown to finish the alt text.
2:21
